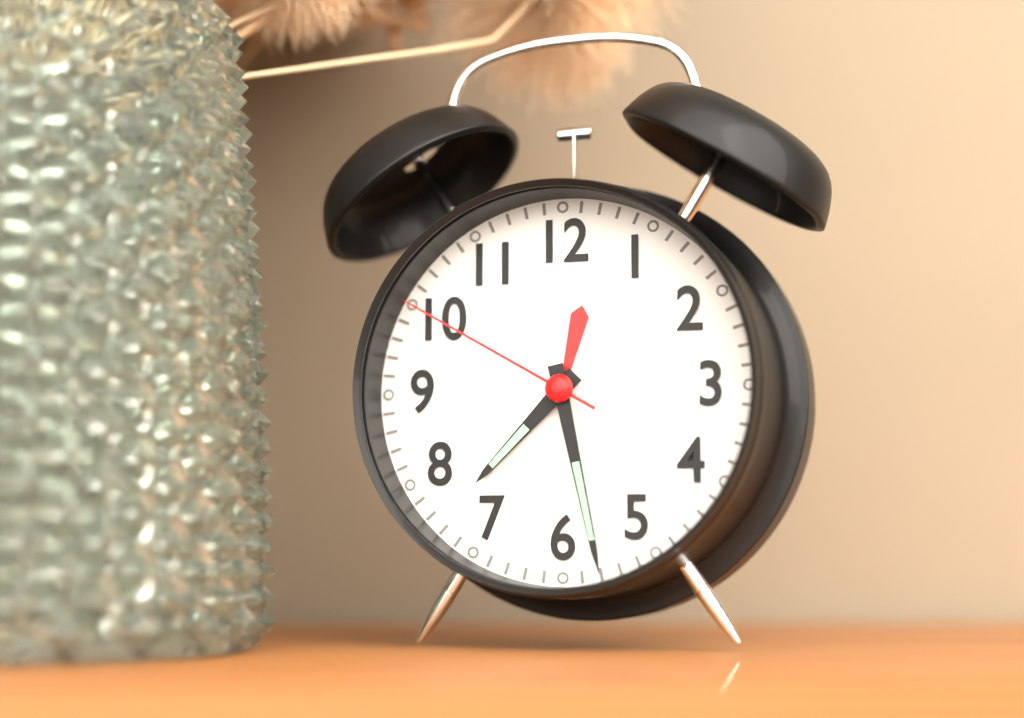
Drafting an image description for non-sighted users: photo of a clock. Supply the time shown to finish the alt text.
7:28:50
